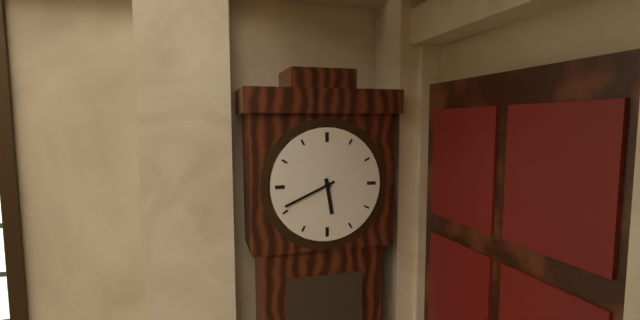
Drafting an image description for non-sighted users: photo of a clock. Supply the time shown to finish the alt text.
5:41
